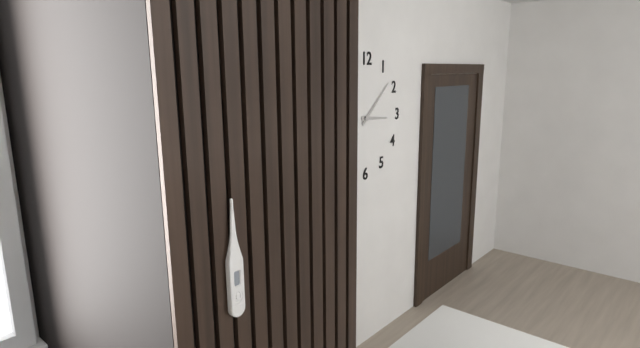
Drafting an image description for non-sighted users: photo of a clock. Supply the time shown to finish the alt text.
3:08
